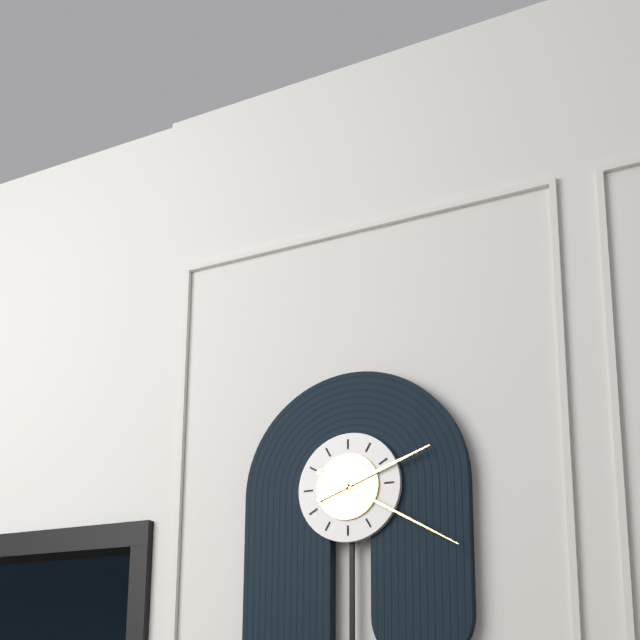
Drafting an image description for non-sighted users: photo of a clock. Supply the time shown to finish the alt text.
2:20
